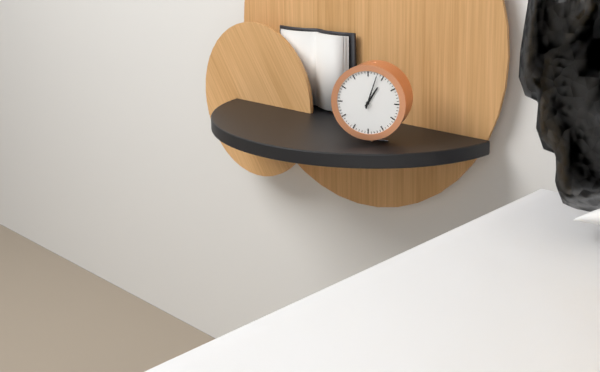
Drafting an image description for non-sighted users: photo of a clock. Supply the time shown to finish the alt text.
1:03
